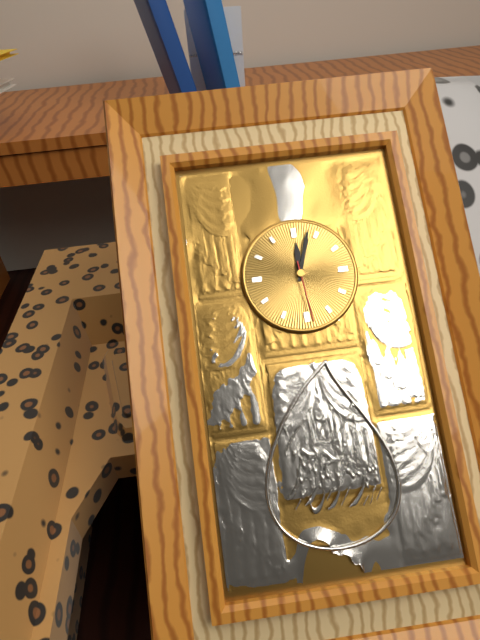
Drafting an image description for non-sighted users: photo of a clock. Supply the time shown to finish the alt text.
12:03:29
